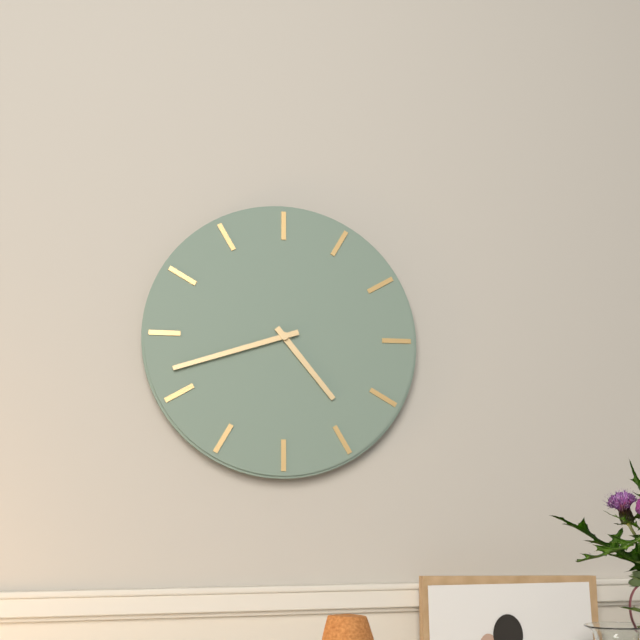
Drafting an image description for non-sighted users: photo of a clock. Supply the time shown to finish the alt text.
4:42
